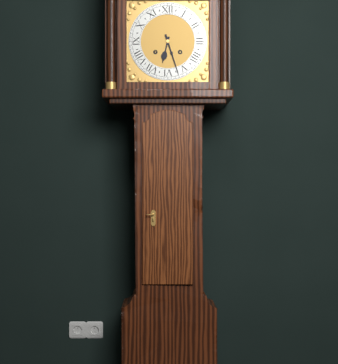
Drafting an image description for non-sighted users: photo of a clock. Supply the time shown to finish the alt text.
6:27
